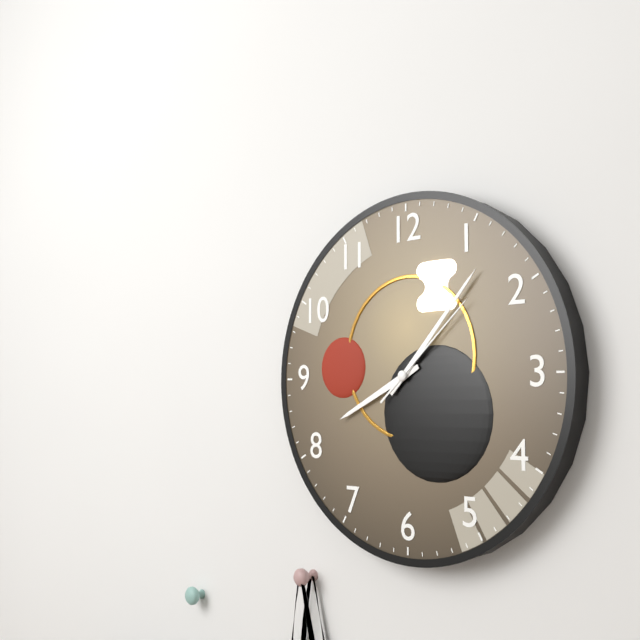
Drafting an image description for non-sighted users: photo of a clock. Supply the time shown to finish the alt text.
8:07:08
